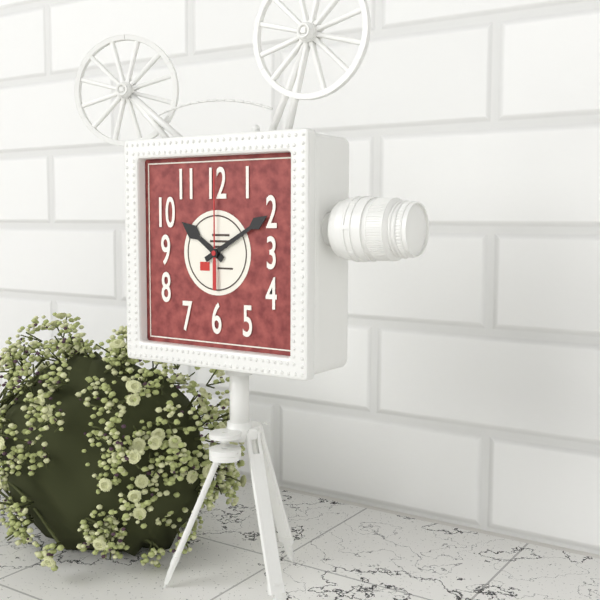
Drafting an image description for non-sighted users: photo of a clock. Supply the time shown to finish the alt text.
10:10:00
